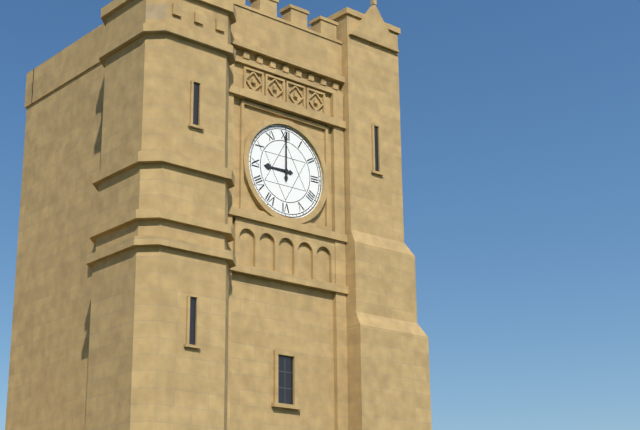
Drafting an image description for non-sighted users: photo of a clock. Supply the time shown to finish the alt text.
9:00
